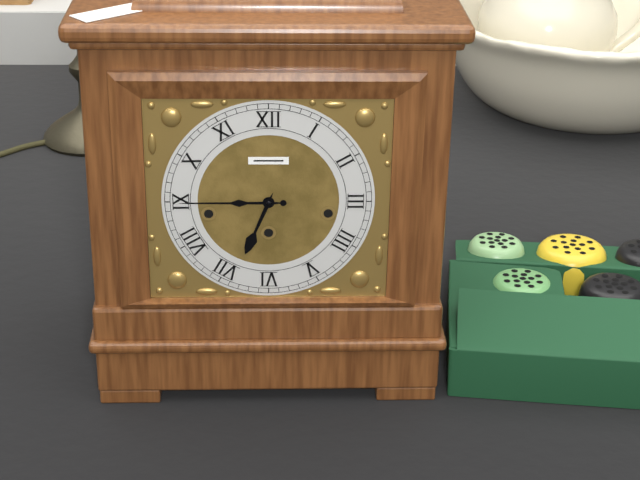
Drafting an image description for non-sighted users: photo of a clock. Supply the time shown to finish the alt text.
6:45
